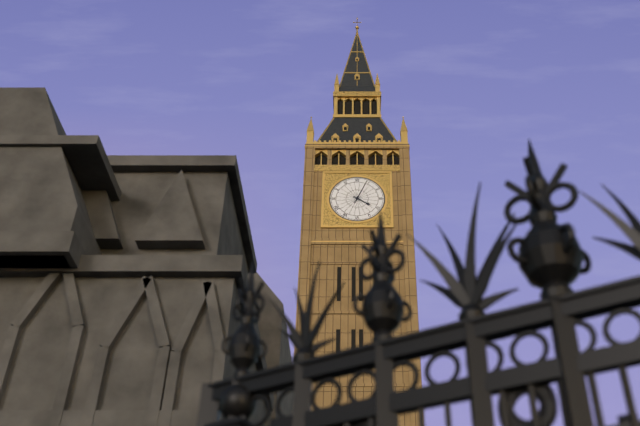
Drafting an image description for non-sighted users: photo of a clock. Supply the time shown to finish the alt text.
4:04
